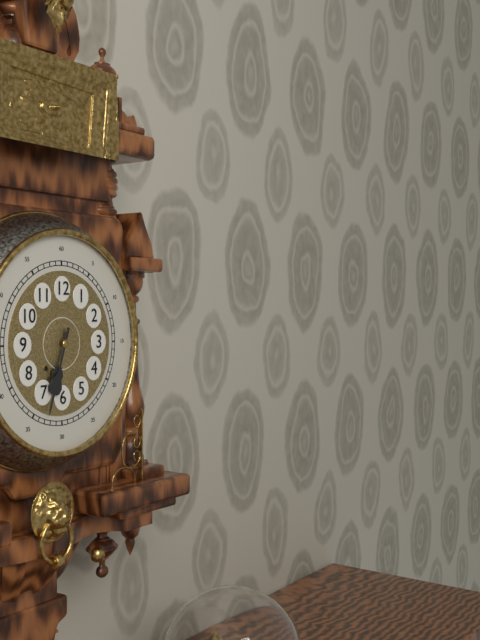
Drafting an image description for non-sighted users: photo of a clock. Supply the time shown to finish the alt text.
6:33
